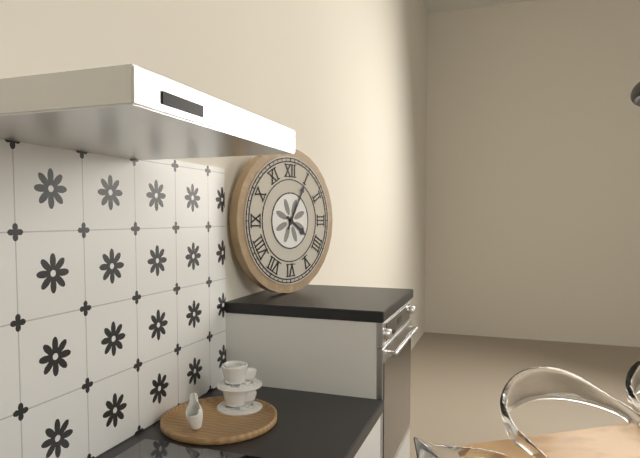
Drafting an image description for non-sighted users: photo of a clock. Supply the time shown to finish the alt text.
4:05
